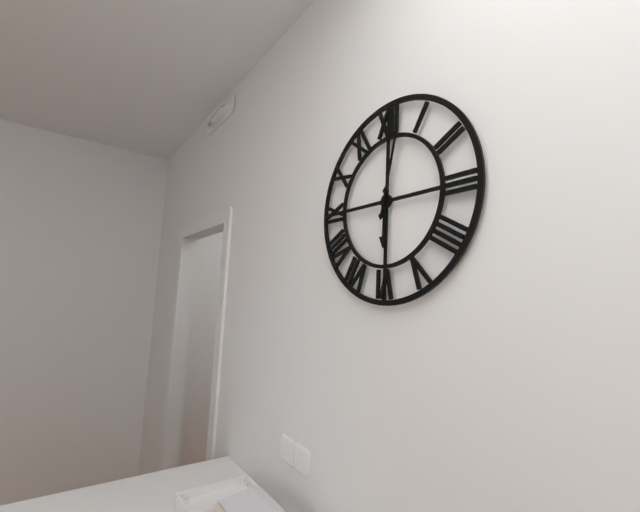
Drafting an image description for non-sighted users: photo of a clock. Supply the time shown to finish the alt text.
6:02
